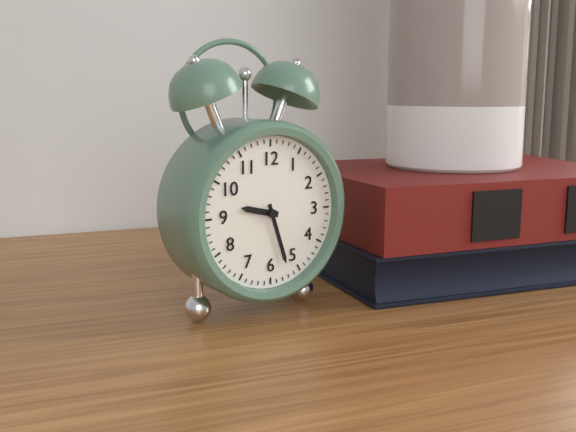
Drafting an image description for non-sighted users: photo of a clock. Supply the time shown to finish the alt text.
9:27
